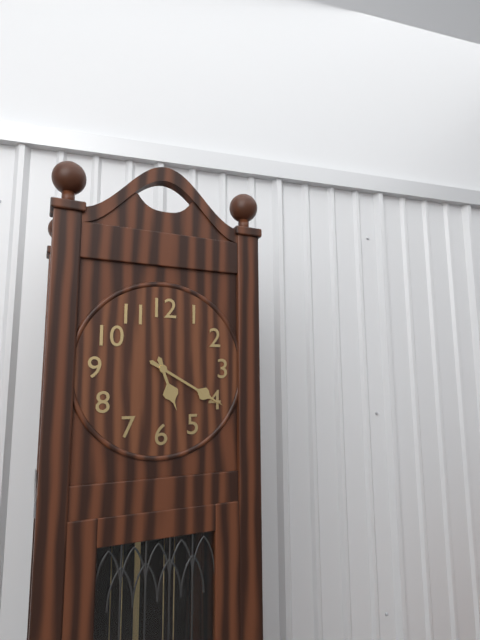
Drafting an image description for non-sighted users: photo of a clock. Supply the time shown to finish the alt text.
5:20
